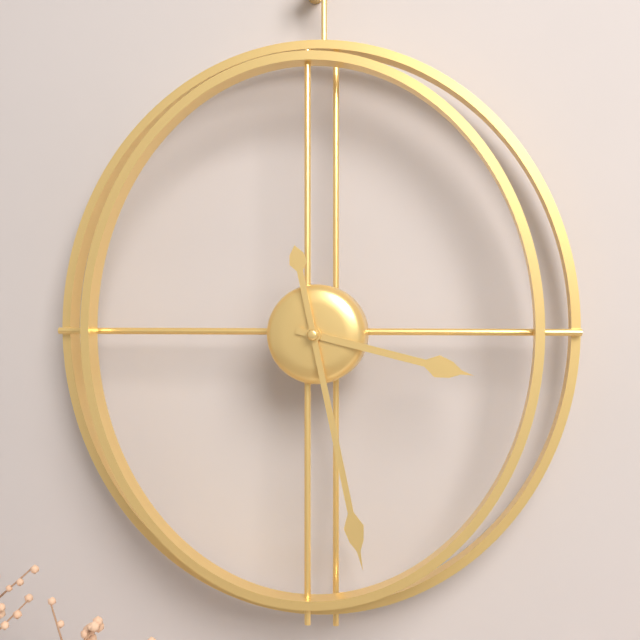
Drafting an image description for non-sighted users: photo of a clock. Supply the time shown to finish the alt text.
3:28
